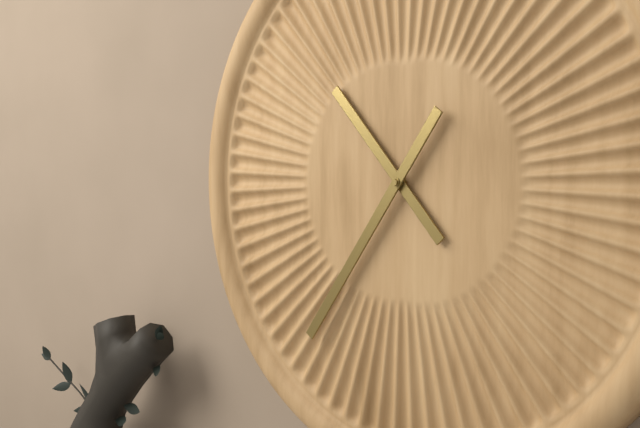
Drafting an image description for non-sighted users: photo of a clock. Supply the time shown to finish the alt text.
10:36
